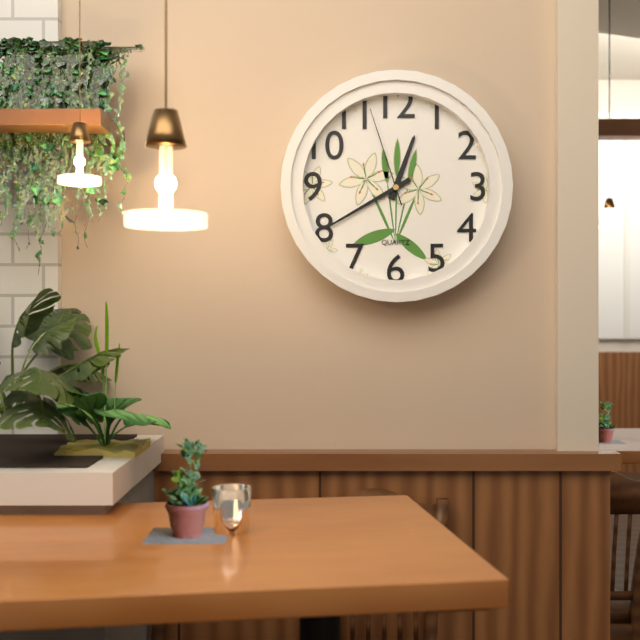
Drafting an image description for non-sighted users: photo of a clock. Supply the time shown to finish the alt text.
12:40:57
